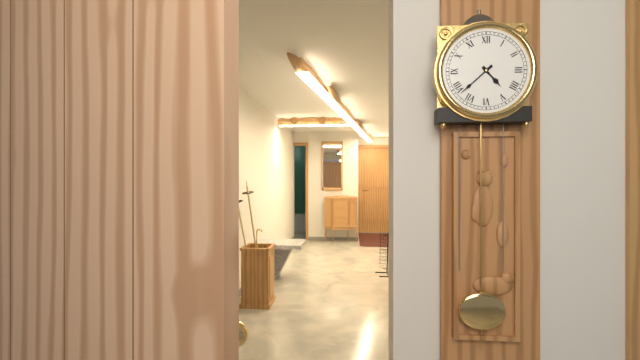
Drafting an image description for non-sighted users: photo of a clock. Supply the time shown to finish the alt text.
4:38
